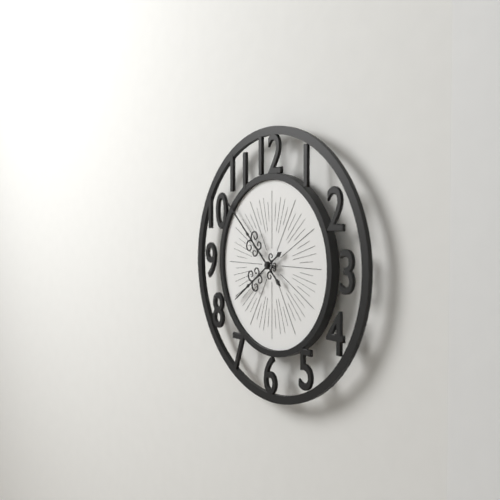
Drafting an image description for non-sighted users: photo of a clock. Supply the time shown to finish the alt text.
7:52
